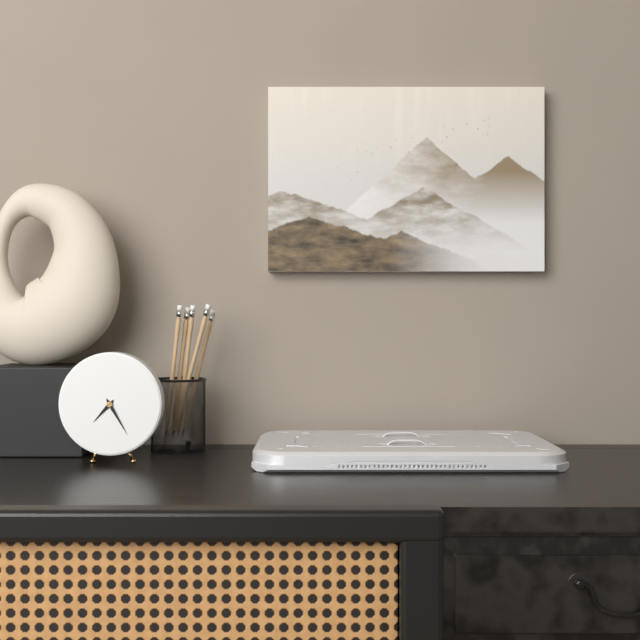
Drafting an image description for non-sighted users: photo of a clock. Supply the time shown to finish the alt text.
7:25
